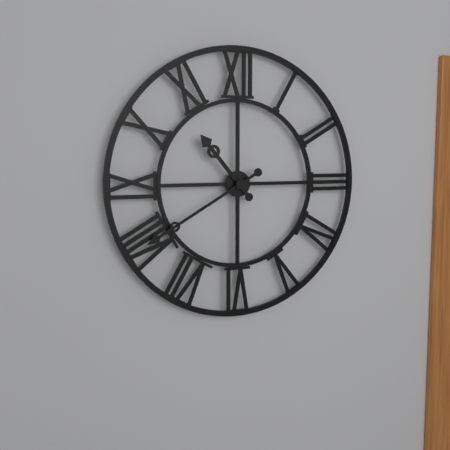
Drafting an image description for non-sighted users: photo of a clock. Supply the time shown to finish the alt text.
10:40
